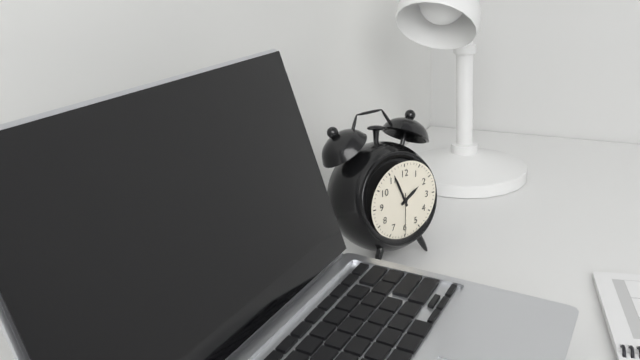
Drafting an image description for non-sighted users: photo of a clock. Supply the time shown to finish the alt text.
1:56
